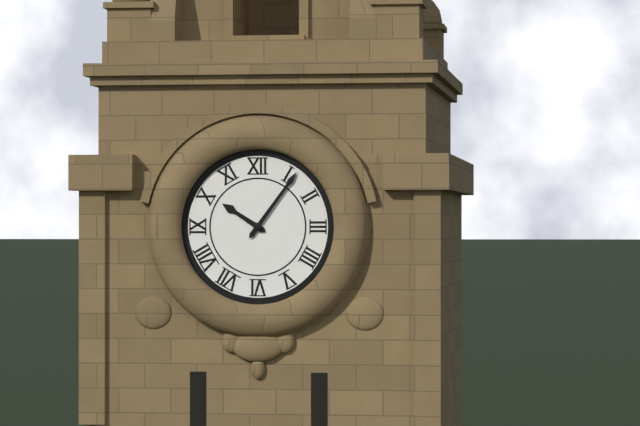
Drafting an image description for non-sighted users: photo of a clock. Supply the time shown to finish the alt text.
10:06
